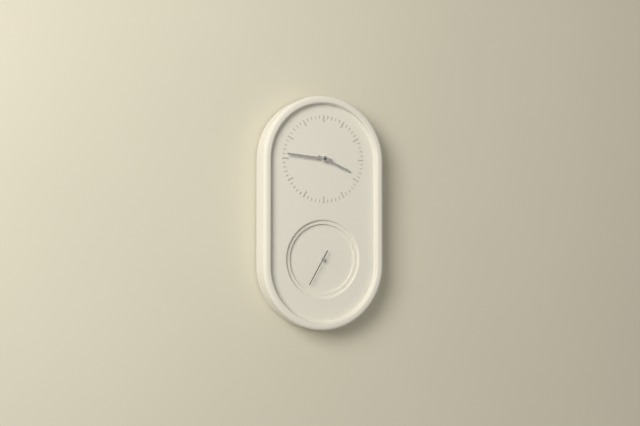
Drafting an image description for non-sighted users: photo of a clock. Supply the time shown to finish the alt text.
3:46
